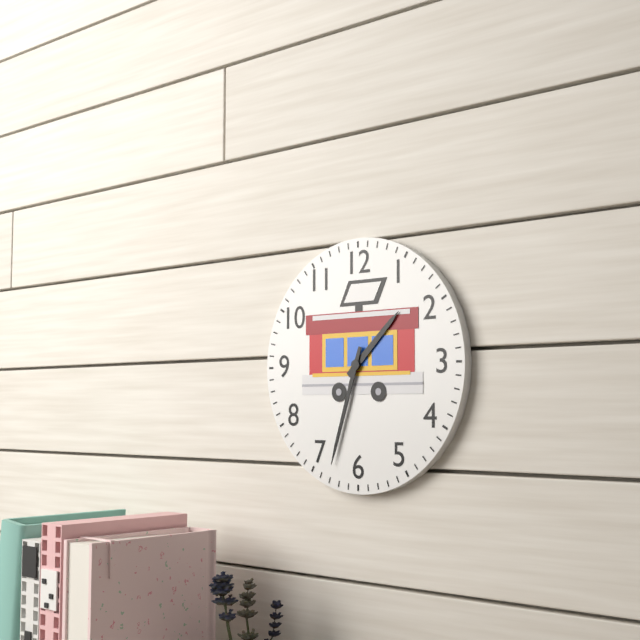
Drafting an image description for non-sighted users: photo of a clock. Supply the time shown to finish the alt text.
1:33
